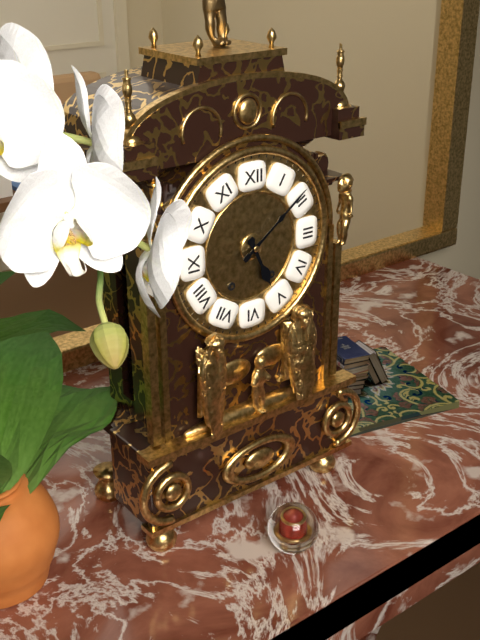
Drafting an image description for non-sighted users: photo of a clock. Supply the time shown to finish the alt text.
5:09
